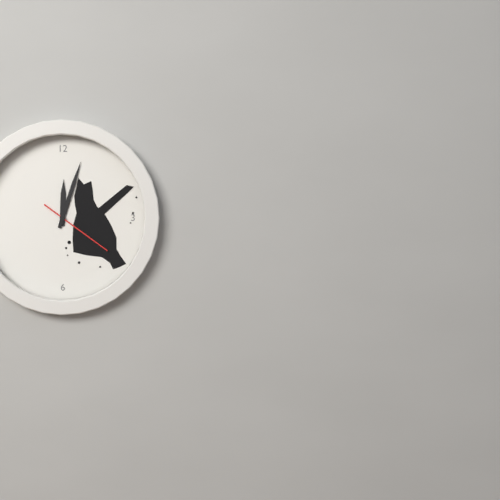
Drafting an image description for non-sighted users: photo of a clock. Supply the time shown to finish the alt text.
12:03:21
